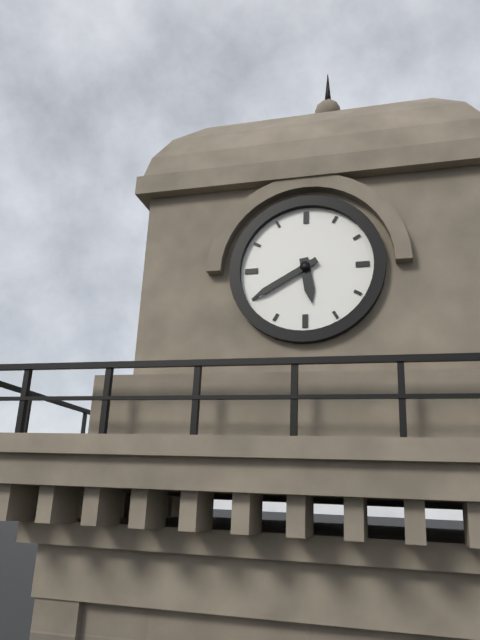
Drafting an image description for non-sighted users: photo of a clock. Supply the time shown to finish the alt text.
5:40
